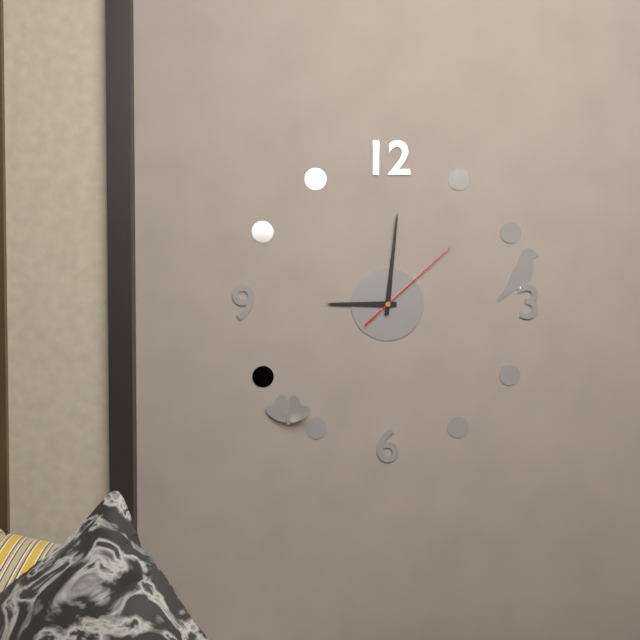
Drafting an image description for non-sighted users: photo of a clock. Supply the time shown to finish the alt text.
9:01:08
